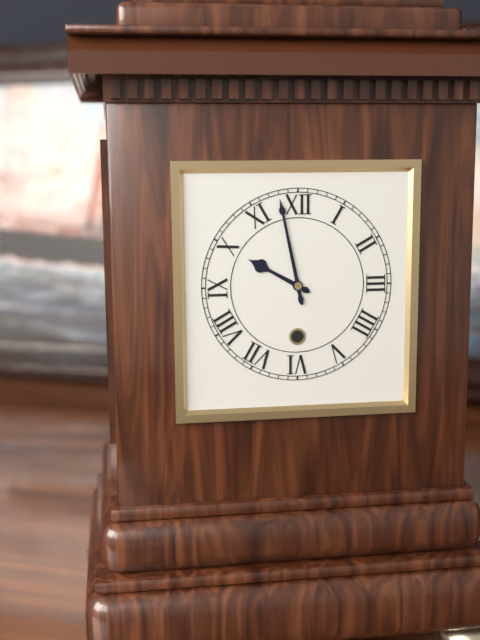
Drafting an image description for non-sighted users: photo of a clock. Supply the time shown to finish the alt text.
9:58
